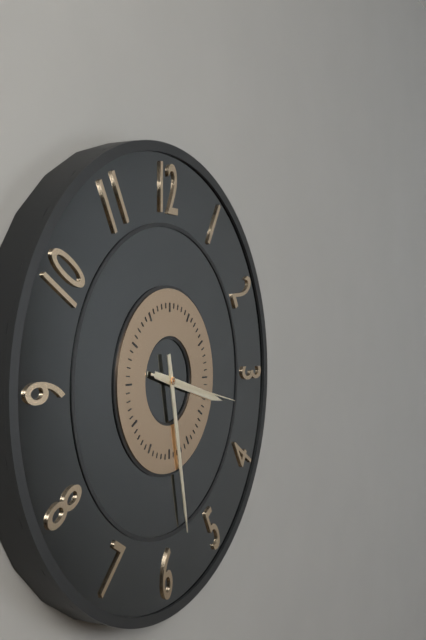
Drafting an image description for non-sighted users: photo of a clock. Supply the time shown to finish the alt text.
3:28:17
